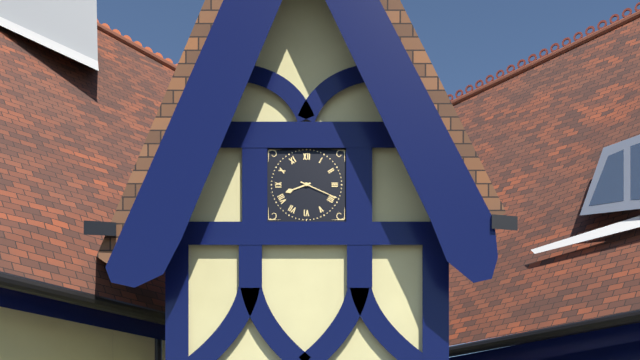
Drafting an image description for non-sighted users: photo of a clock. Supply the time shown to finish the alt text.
8:19
